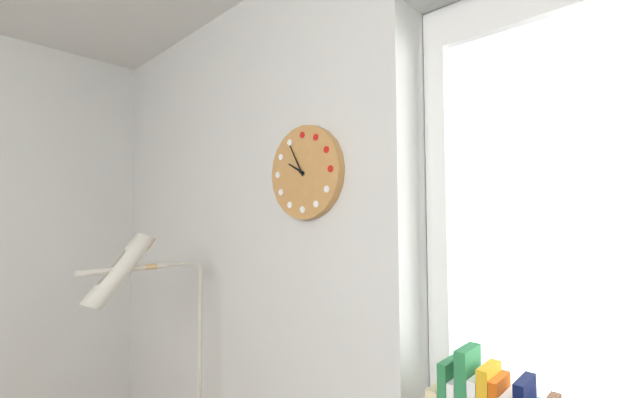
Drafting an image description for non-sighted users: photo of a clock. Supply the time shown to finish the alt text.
9:55
